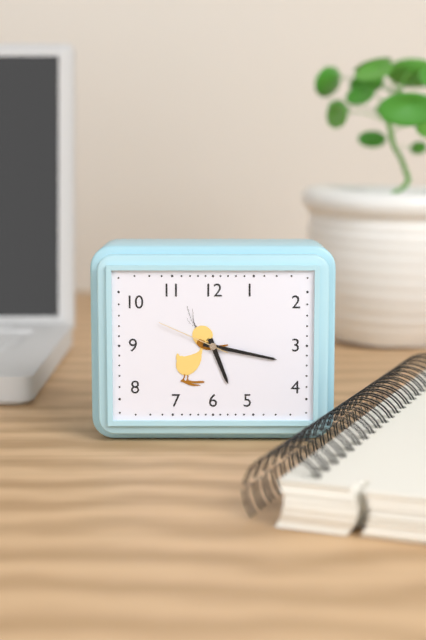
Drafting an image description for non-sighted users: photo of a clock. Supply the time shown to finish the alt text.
5:17:49
